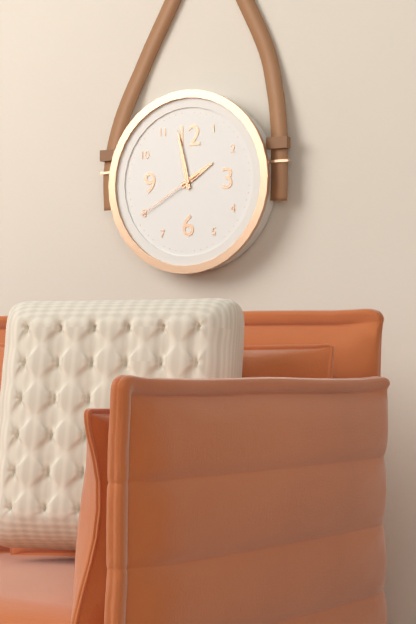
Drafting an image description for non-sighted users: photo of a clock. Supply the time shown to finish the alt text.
1:58:40
